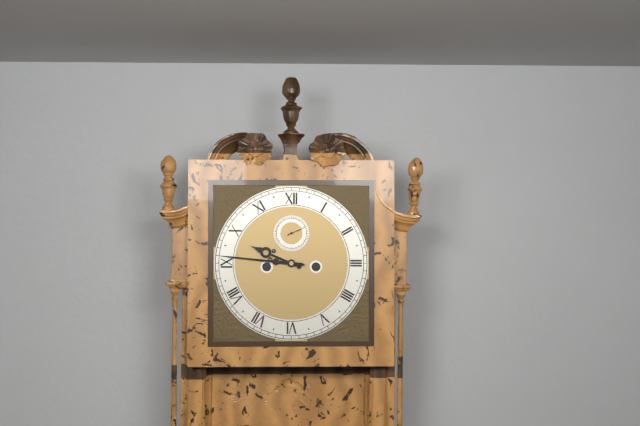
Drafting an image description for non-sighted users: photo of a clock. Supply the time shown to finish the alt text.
9:46
